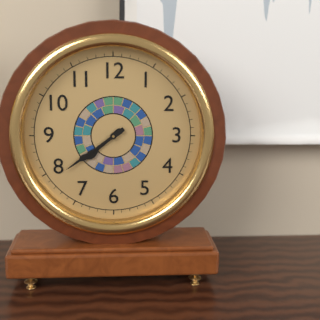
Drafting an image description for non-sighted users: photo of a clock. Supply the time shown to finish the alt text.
7:39
